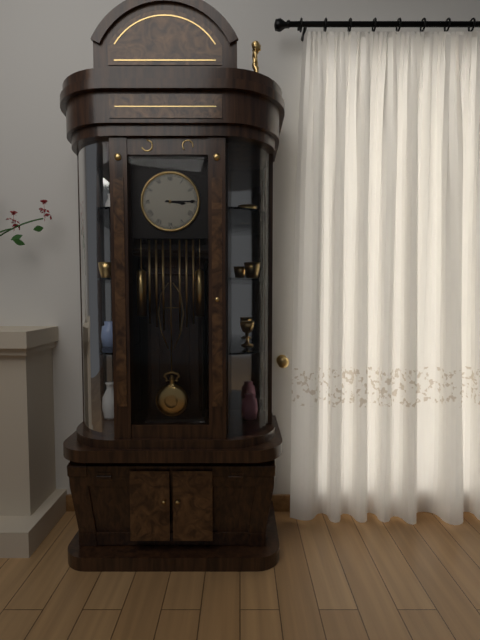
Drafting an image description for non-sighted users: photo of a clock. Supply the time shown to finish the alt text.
3:15
